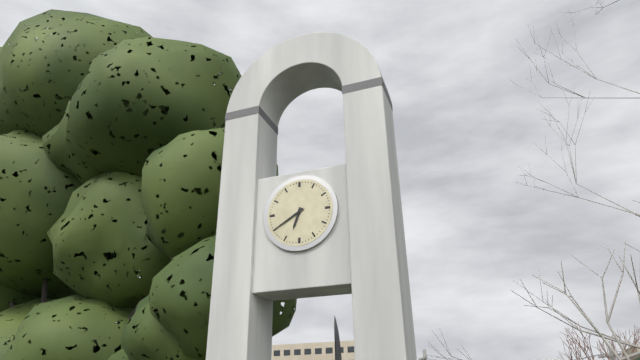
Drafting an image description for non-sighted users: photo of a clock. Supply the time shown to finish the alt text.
6:40
